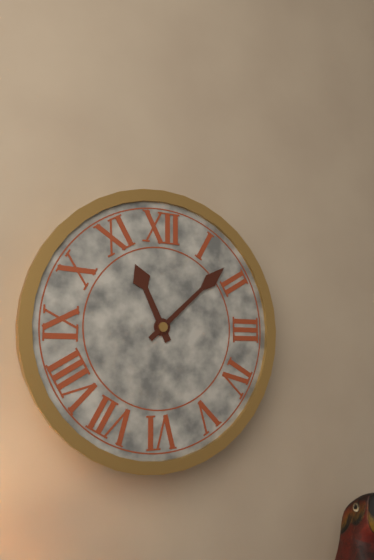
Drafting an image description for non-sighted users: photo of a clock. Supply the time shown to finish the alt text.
11:08
